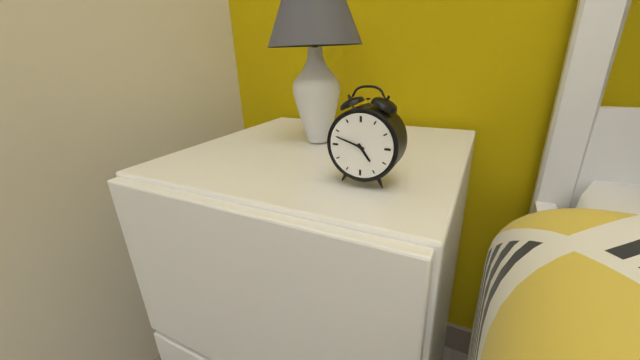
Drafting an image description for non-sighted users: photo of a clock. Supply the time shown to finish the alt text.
4:48
